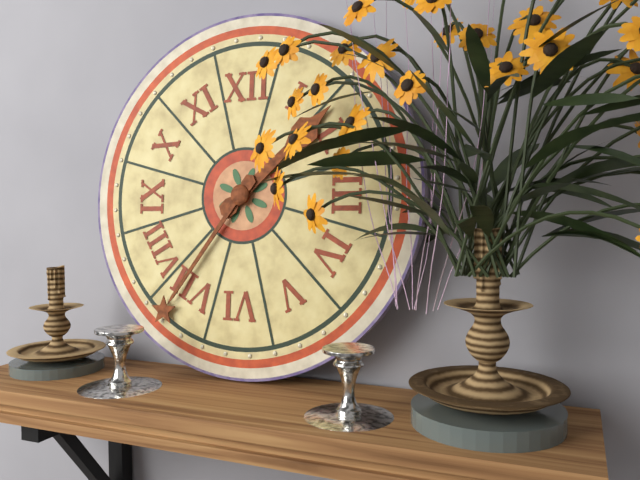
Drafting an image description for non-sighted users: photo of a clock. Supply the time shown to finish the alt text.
1:36
